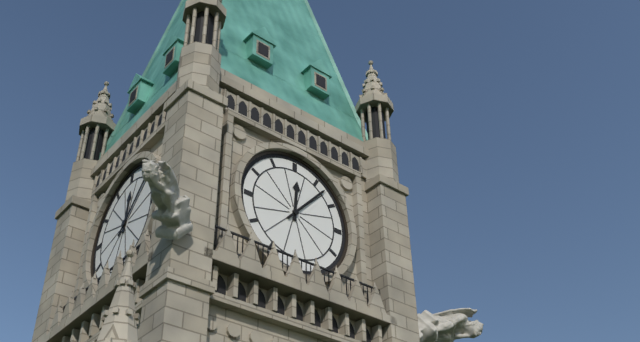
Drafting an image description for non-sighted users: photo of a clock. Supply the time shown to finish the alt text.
12:07
